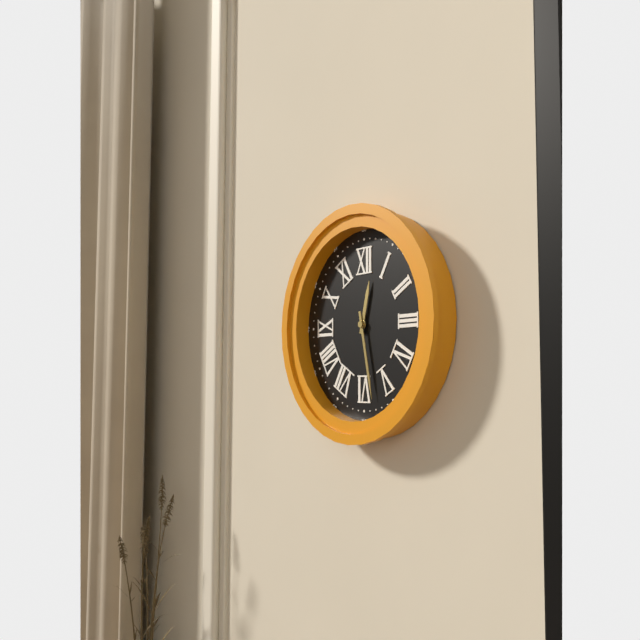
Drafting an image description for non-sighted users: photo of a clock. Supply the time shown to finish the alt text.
12:28
